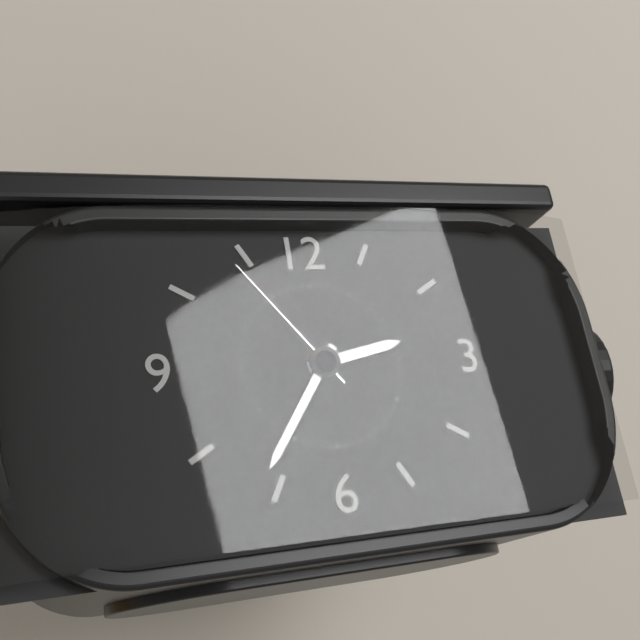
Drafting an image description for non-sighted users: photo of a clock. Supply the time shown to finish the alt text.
2:36:54
